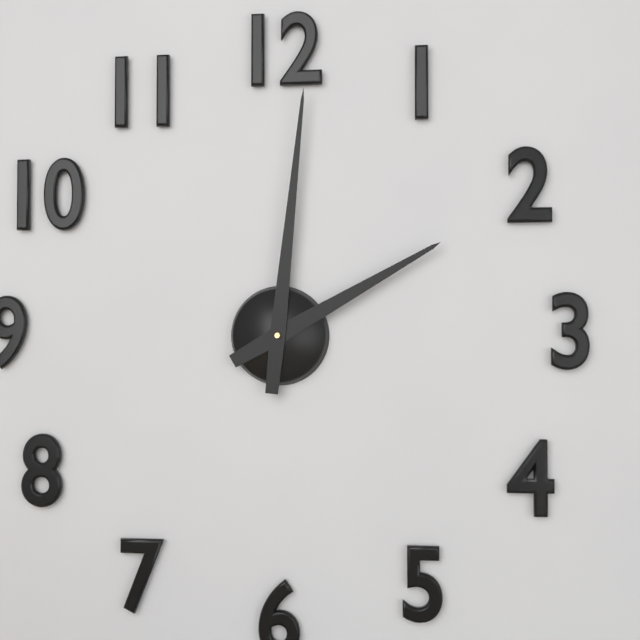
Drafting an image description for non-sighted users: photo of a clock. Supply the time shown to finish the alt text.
2:01
